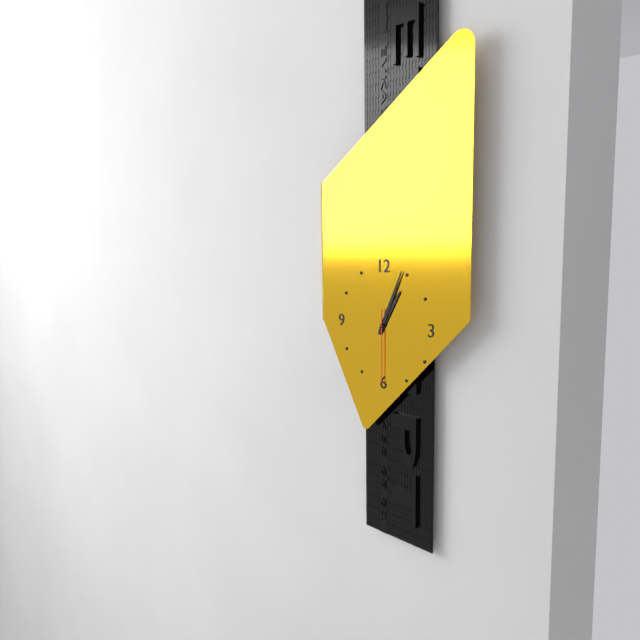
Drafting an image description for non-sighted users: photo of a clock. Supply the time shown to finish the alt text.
1:04:30
